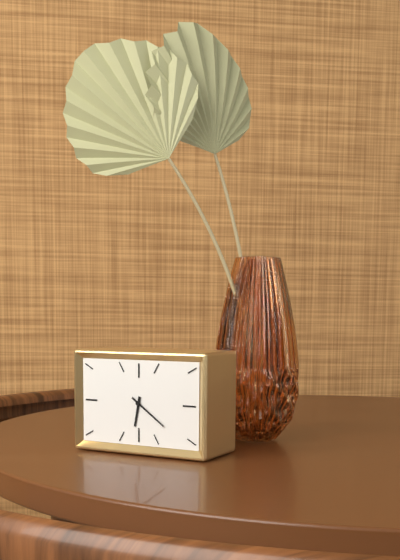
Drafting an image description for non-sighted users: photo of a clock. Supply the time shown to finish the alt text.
6:21
